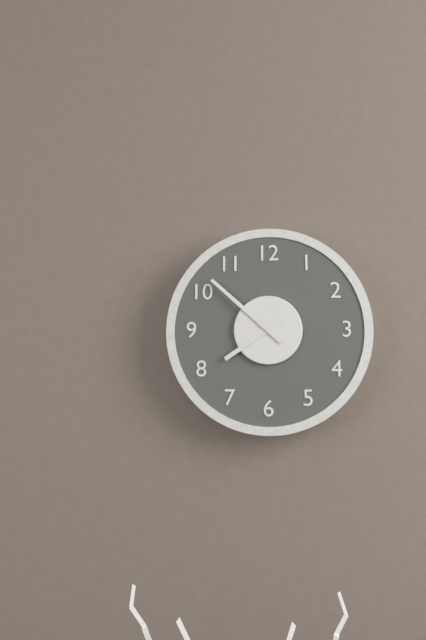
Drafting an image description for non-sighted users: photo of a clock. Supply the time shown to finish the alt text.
7:52
